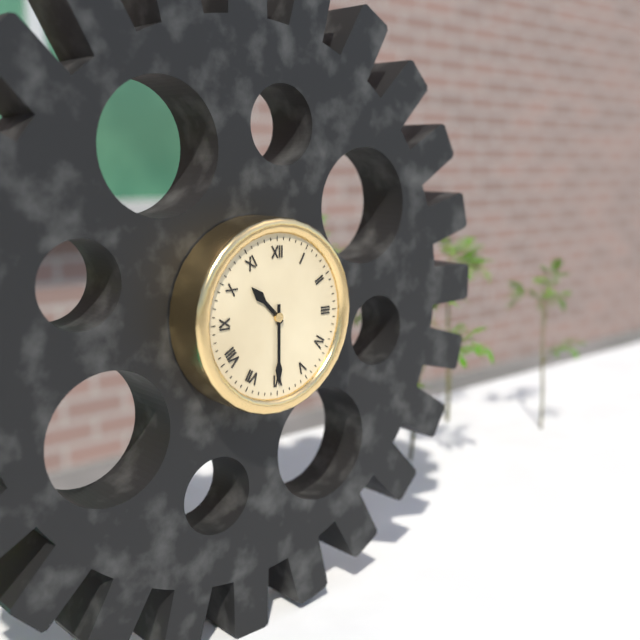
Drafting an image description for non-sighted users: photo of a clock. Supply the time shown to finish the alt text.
10:30
